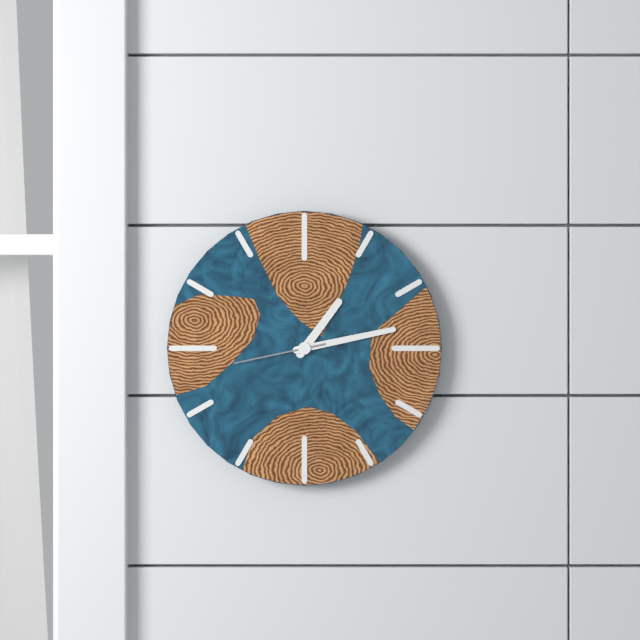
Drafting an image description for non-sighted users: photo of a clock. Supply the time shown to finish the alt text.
1:13:43
